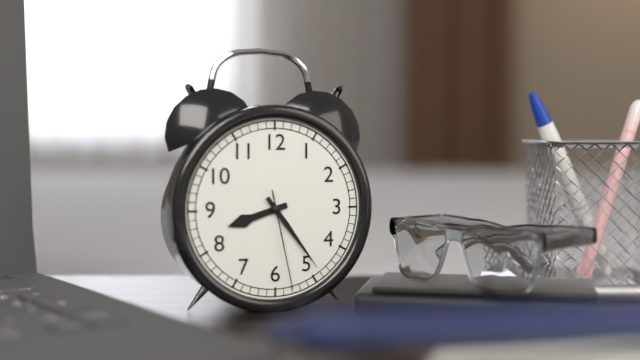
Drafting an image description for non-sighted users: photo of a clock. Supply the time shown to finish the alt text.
8:24:28
